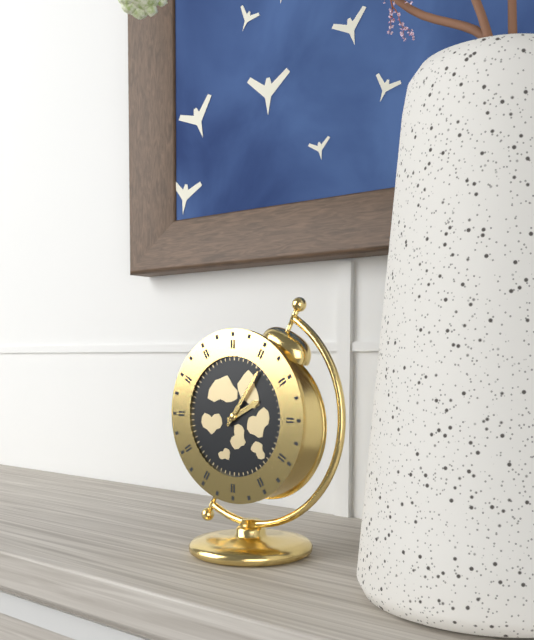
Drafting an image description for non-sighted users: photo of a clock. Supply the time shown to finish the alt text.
2:06
